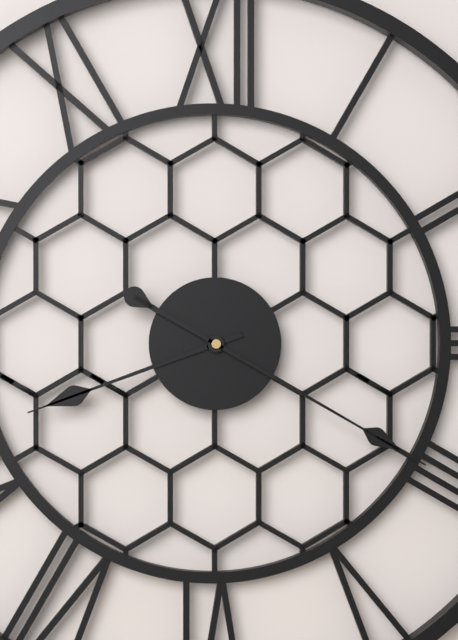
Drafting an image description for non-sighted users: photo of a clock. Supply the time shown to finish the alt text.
8:20
